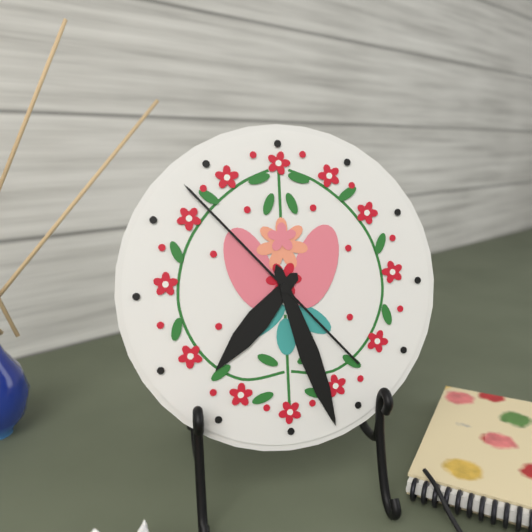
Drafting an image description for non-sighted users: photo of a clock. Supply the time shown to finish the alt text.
7:27:53
